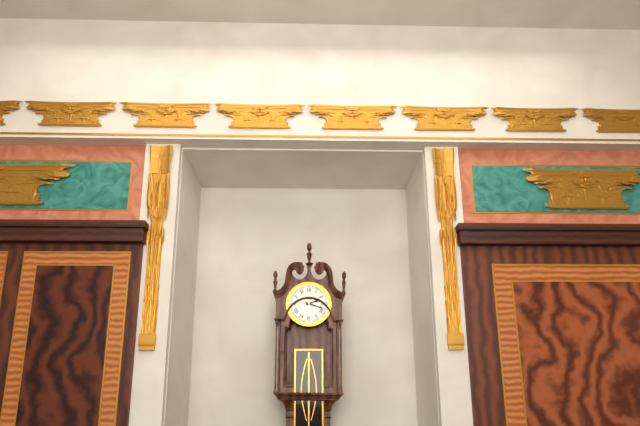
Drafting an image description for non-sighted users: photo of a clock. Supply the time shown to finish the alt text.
2:18
